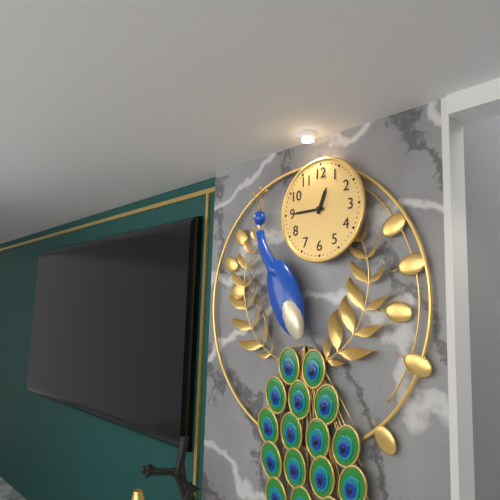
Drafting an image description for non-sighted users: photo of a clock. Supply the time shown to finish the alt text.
12:45
